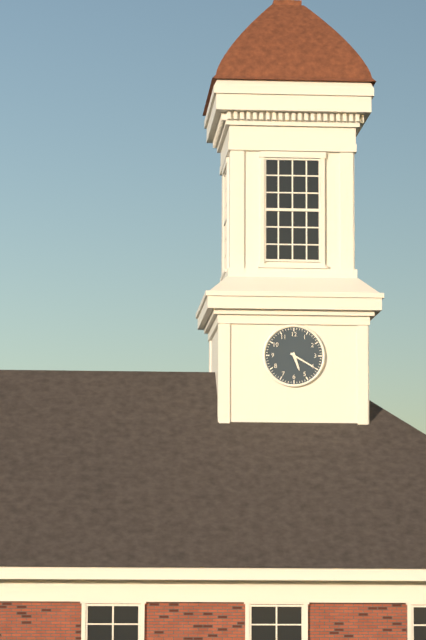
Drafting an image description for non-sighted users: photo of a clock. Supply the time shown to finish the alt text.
5:20
